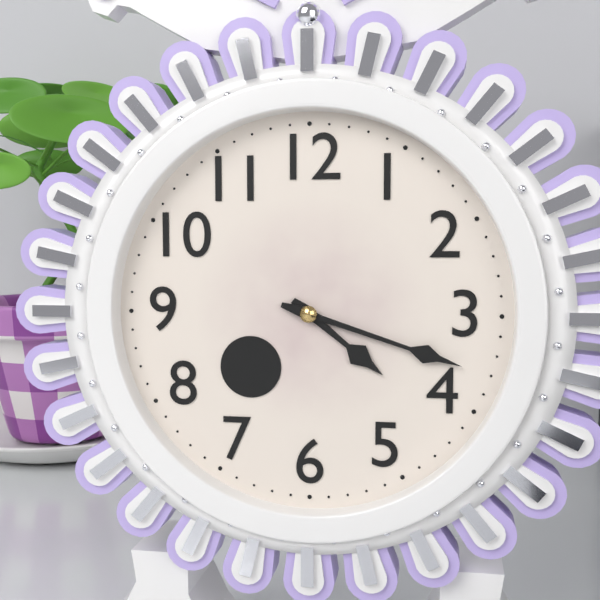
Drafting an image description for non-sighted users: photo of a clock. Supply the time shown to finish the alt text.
4:18
